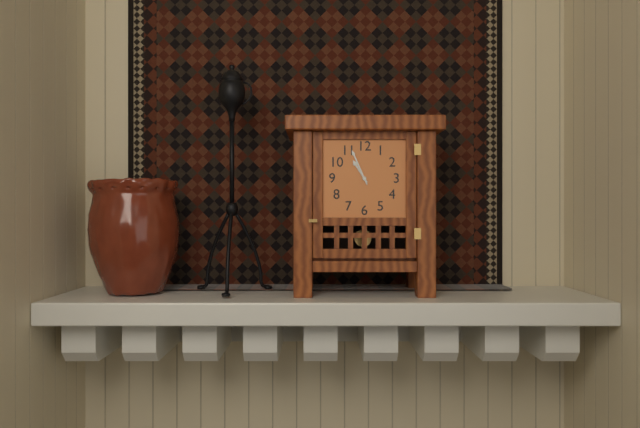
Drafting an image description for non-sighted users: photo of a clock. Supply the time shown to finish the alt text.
10:56
